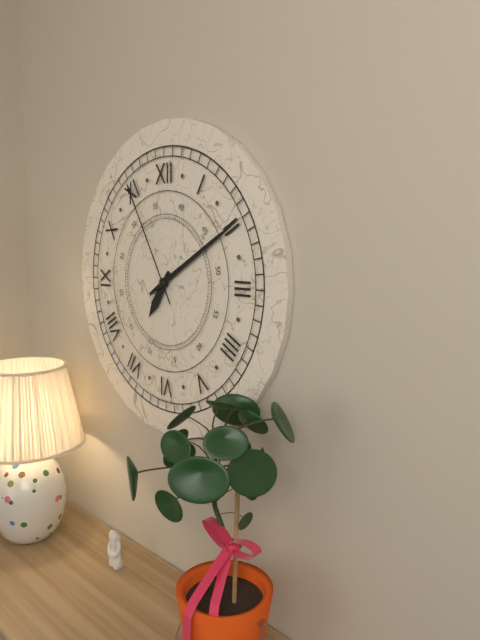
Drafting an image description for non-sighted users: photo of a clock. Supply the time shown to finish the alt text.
7:10:55
